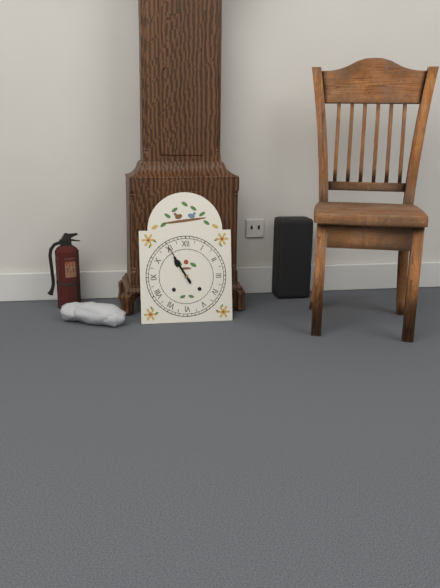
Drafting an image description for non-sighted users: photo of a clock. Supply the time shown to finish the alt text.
10:55
